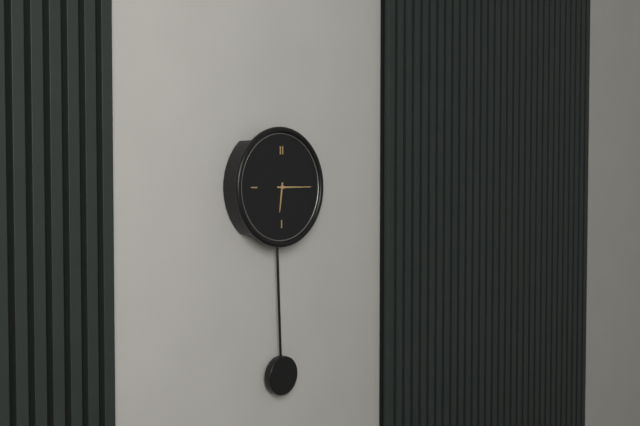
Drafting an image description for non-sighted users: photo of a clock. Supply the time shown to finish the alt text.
6:15
